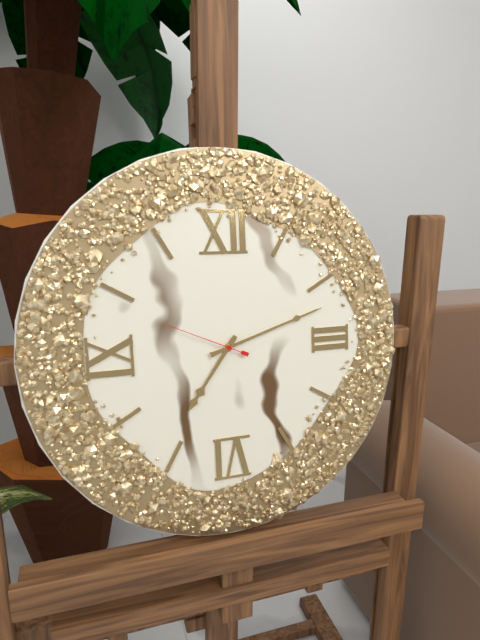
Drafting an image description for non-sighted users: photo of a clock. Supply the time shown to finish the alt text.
7:12:49
